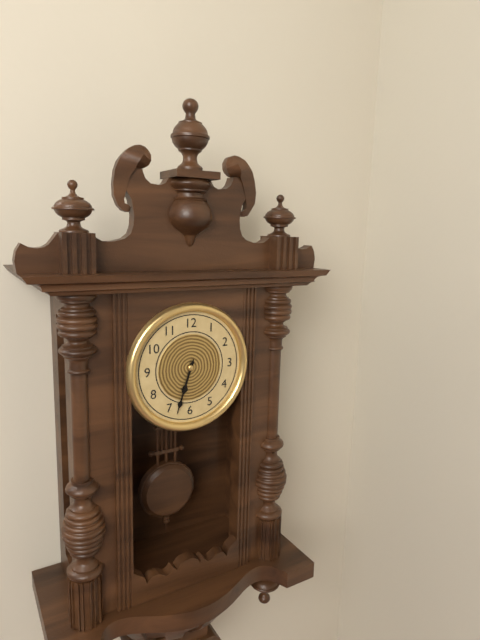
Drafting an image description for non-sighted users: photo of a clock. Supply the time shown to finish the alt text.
6:33
